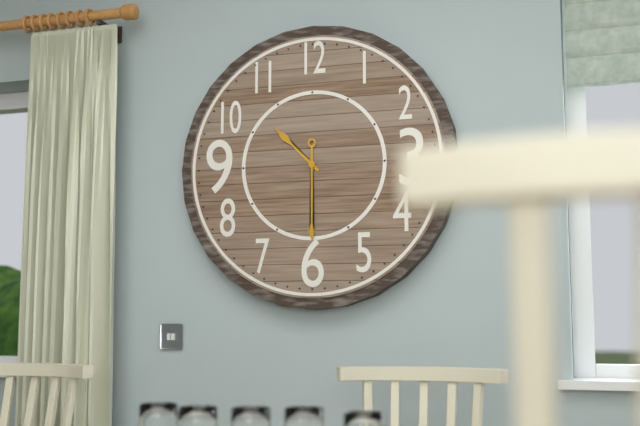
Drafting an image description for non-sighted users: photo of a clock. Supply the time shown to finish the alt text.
10:30
